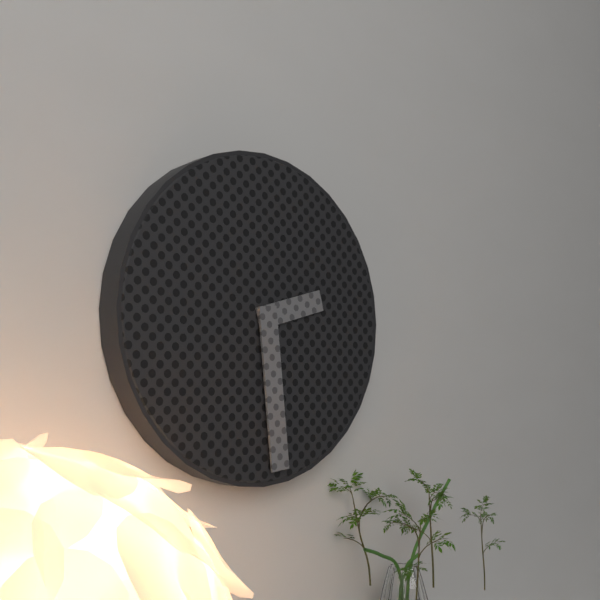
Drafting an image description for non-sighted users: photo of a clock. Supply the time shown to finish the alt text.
2:29
